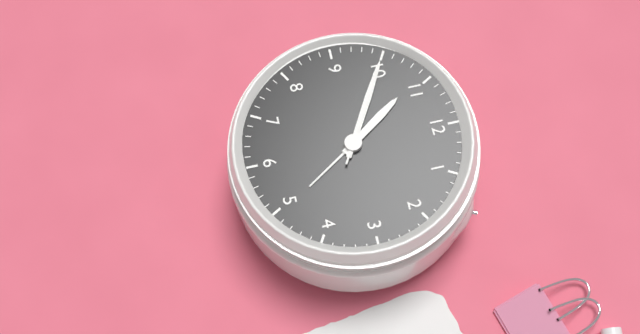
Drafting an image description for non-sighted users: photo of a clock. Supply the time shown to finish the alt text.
10:50:50
